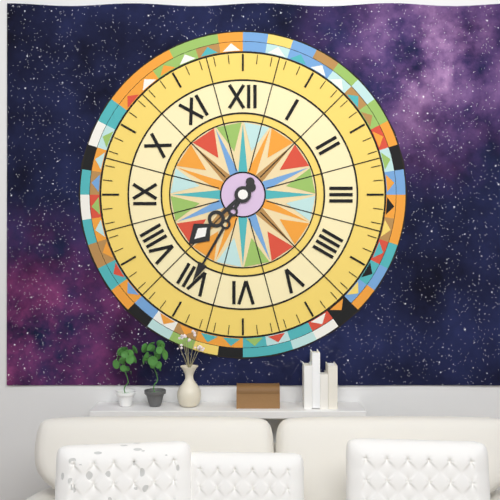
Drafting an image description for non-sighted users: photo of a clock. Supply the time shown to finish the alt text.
7:35
